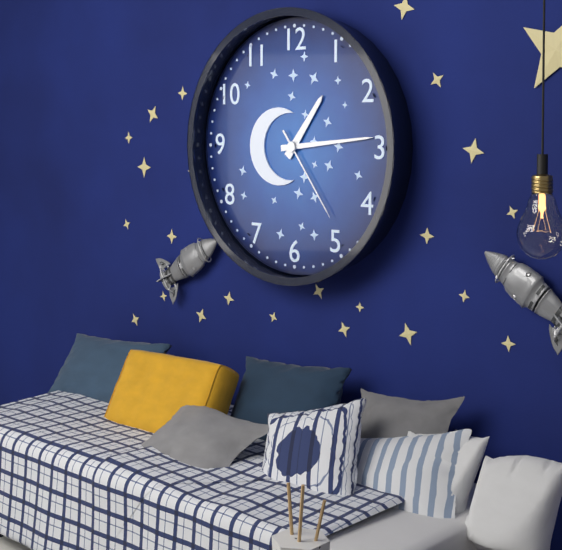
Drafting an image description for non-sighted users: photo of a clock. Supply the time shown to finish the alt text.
1:14:24
